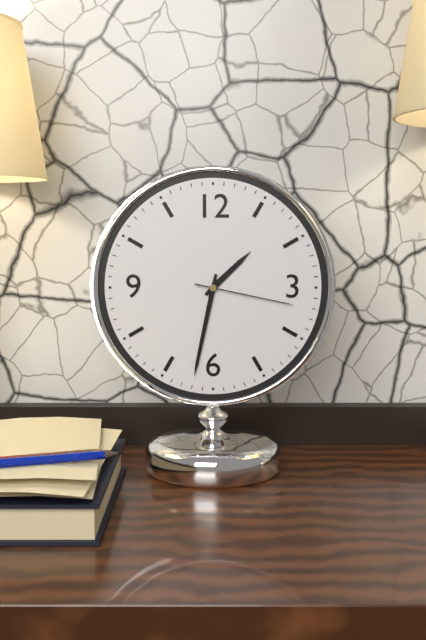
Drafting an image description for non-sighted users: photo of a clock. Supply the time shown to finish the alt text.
1:32:17
